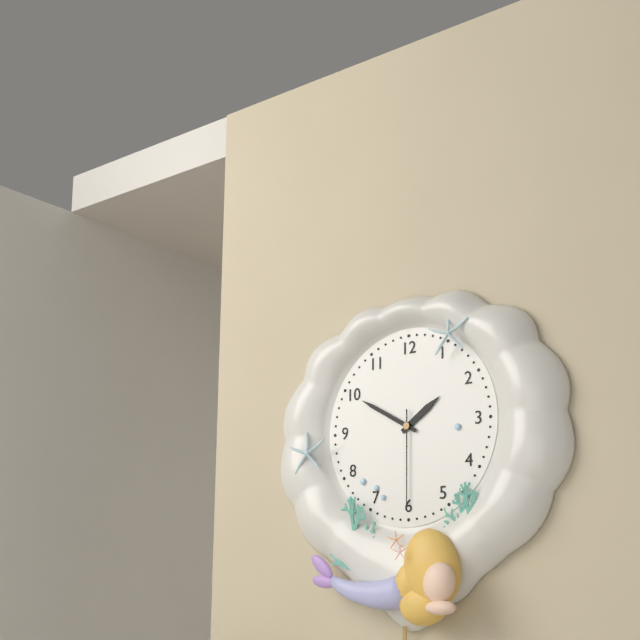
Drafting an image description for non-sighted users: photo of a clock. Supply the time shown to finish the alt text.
1:50:30
